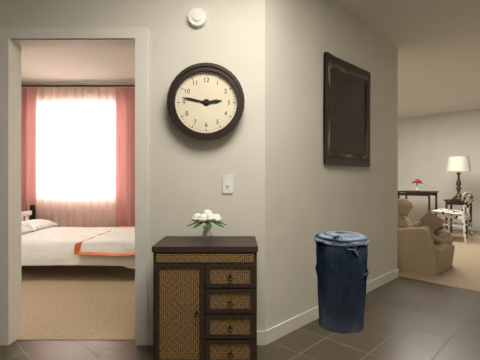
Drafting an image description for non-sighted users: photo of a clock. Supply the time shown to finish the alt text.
2:47
